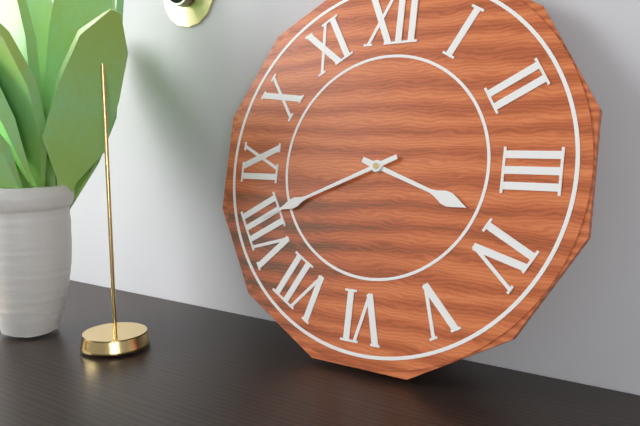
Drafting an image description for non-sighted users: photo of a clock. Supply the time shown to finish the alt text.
3:41
